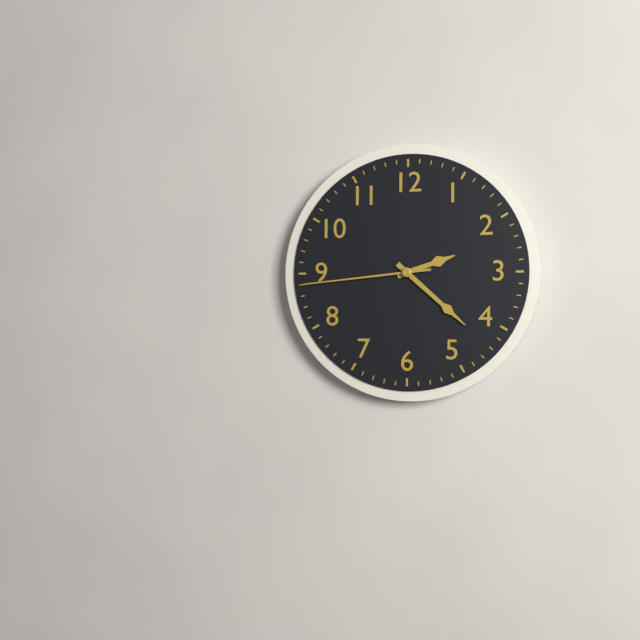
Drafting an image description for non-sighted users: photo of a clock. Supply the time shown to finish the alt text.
2:22:44
